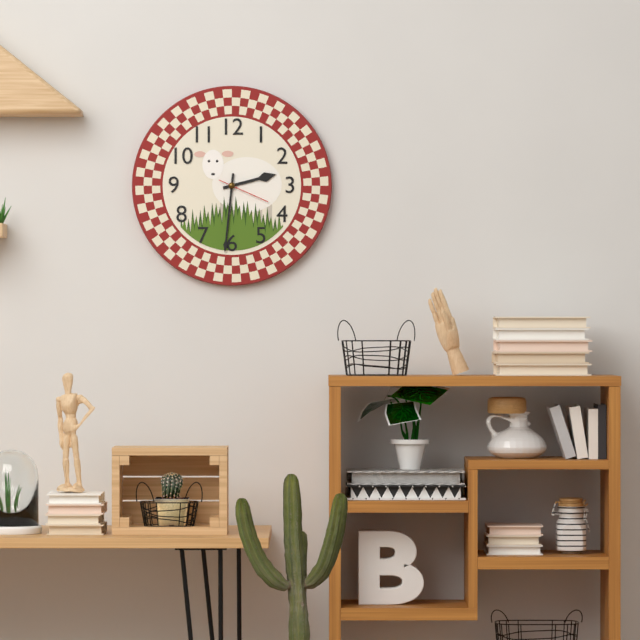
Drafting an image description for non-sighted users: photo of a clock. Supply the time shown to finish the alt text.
2:31
